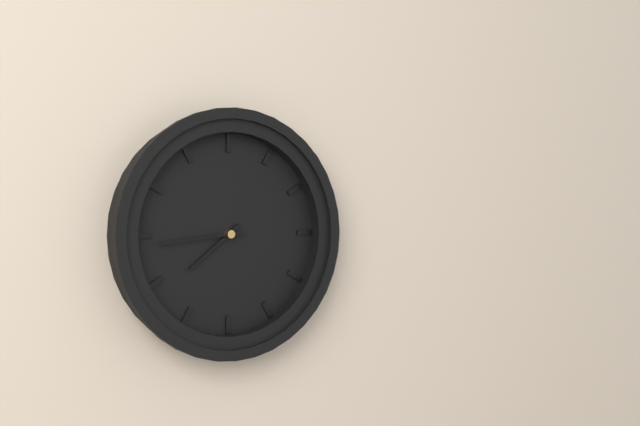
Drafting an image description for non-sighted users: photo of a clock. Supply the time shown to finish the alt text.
7:44
